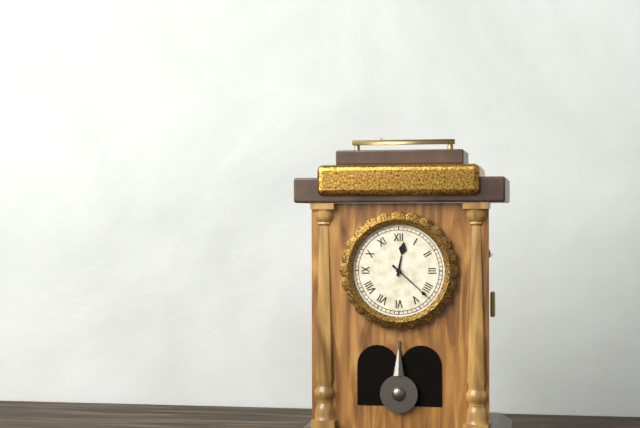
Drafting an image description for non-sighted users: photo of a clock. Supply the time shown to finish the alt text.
12:22
